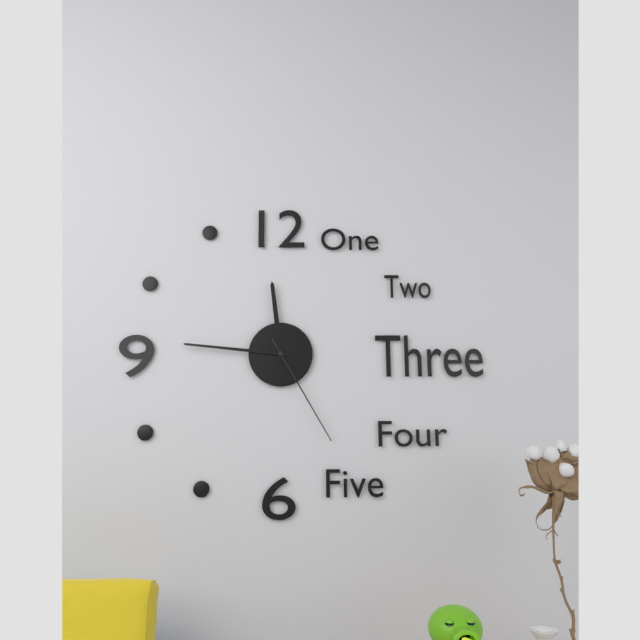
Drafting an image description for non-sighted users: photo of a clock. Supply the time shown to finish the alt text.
11:46:25
